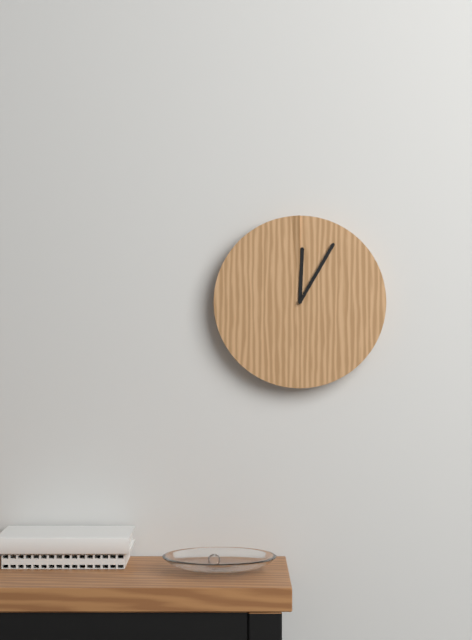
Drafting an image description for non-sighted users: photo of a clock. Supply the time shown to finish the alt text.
12:05
